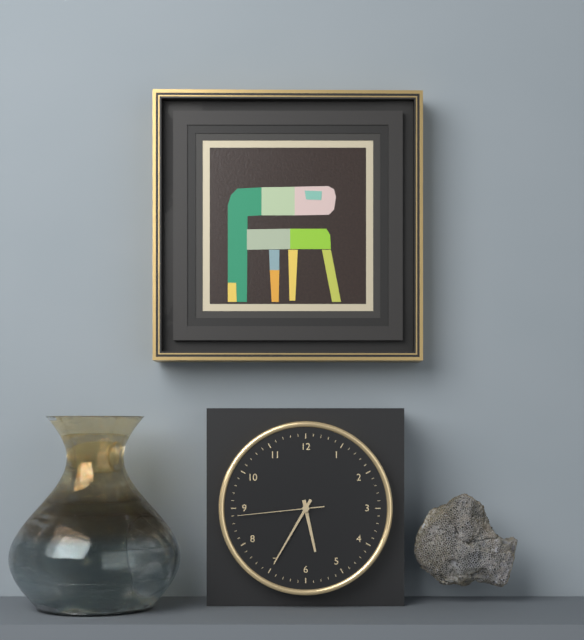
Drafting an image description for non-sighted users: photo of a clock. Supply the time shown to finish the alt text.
5:35:44
